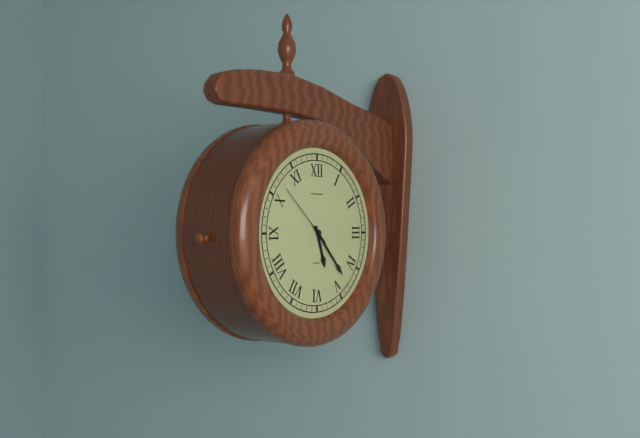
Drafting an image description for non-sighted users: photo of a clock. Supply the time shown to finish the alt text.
5:23:52
